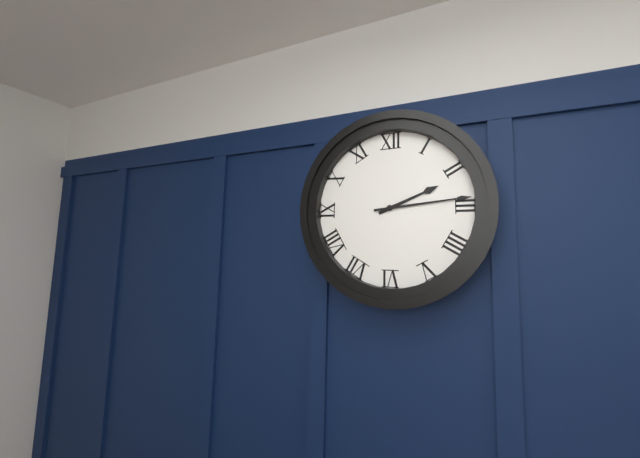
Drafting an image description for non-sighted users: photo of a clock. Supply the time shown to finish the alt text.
2:14
